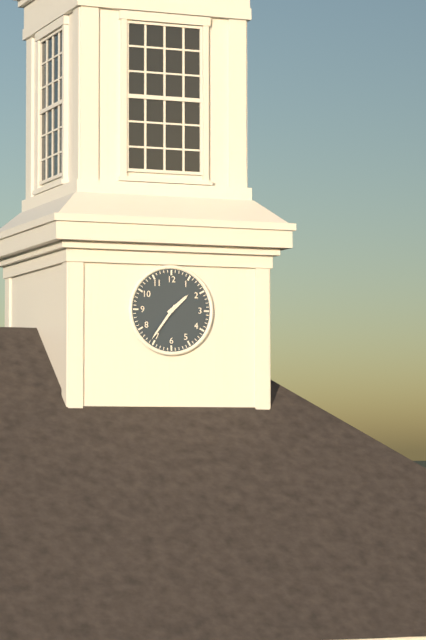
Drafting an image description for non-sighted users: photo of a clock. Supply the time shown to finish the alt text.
1:36
